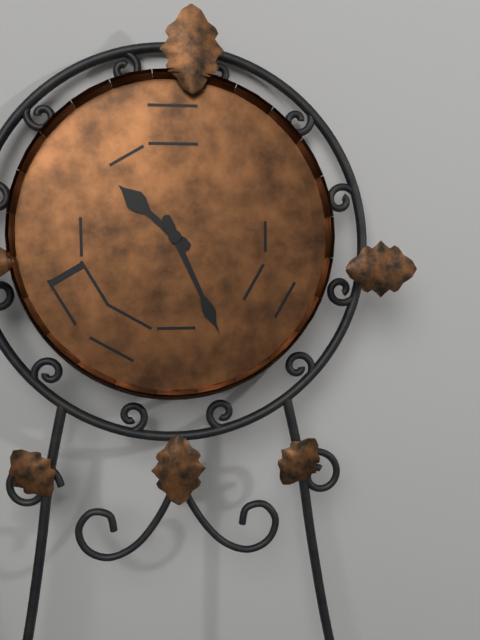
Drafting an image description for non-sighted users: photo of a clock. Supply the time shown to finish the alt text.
10:26
